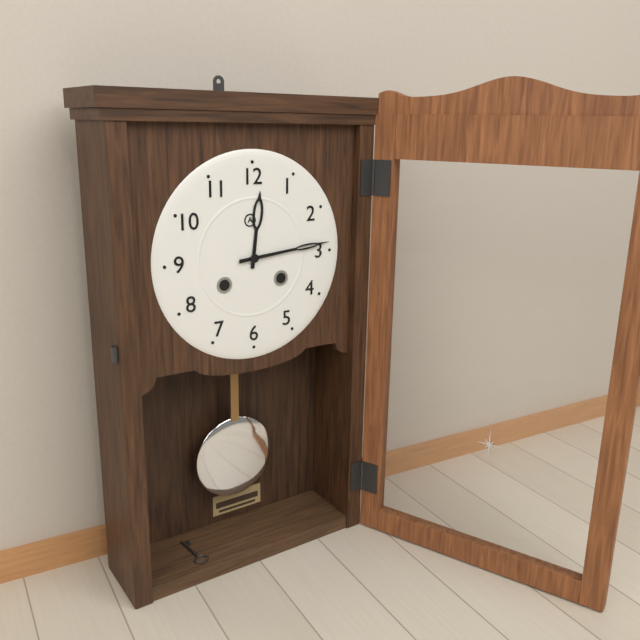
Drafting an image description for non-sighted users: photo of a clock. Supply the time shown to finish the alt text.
12:14
